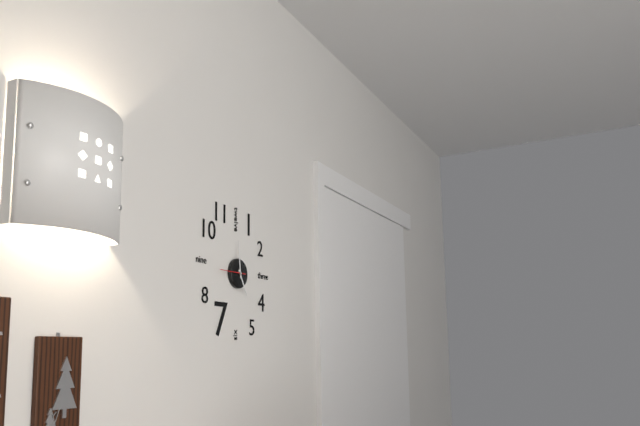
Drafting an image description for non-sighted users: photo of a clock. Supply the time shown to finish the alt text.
4:59
